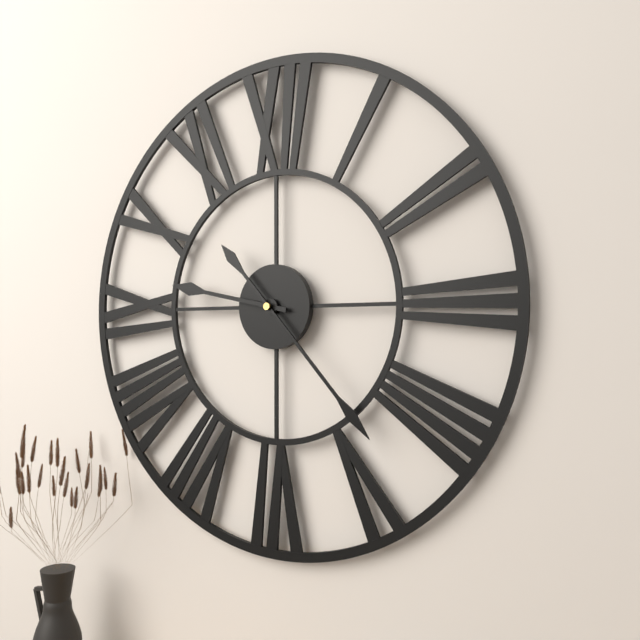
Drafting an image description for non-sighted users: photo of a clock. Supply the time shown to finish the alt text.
9:23
